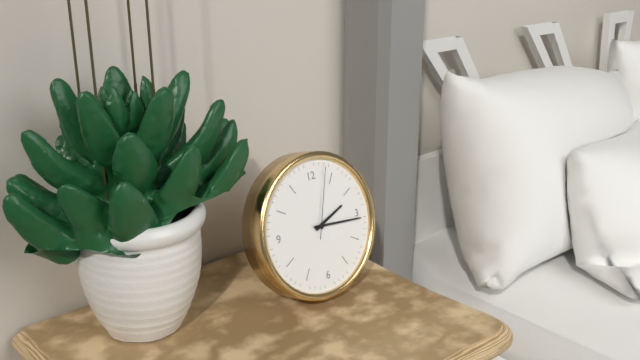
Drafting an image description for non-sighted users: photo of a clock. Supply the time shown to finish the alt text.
2:16:03
